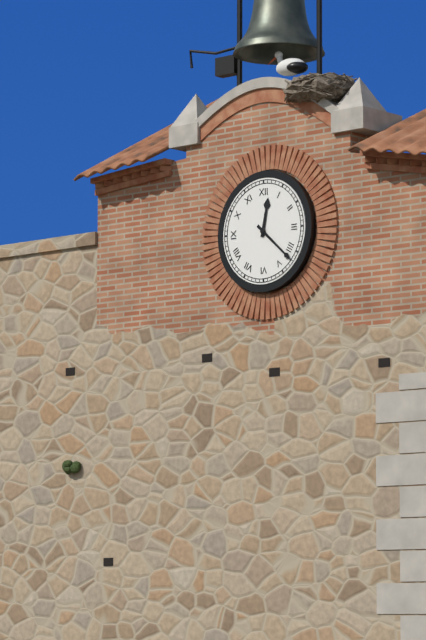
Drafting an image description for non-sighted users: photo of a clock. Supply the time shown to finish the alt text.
12:22
